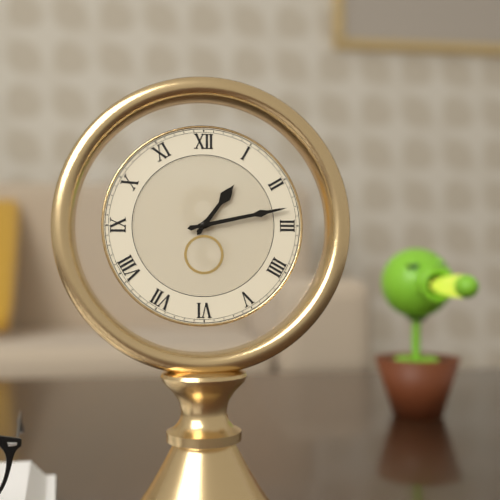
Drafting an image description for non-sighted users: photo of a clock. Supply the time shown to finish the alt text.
1:13
